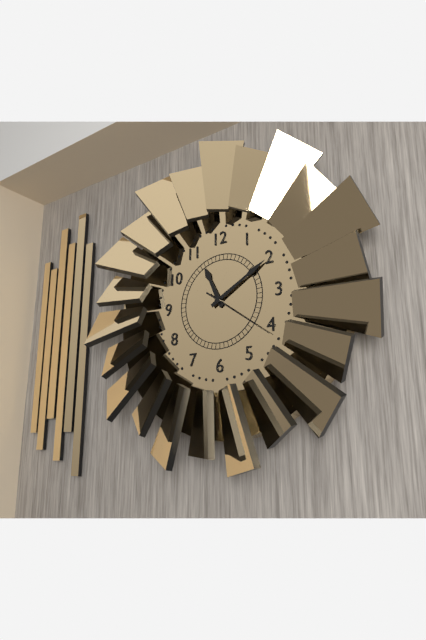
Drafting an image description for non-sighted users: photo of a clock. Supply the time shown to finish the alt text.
11:10:21
